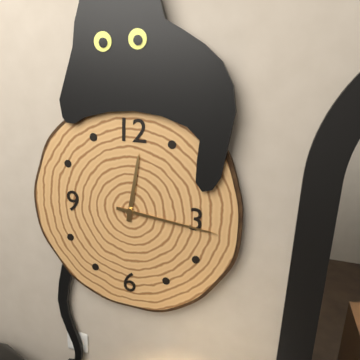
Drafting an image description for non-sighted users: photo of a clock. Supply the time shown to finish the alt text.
12:16
